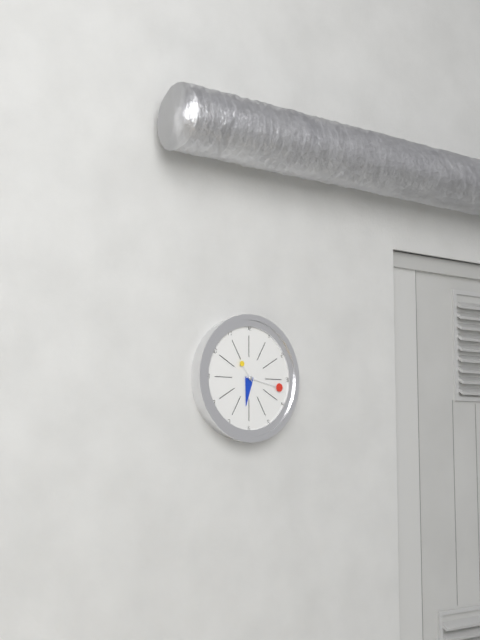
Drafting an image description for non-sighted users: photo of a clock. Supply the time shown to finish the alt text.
6:17
